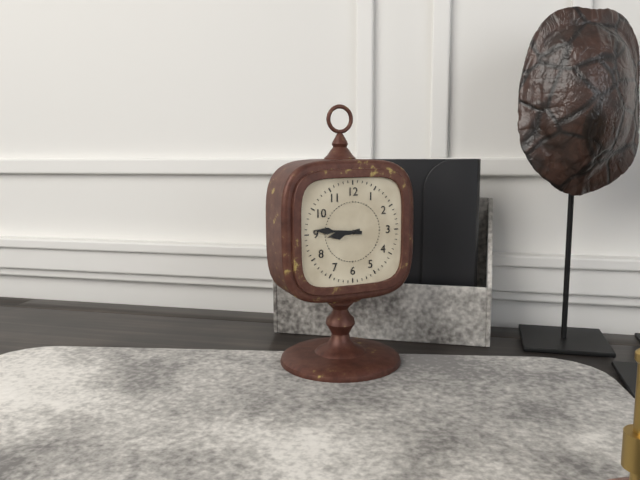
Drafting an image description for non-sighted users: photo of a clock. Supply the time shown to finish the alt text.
8:46
